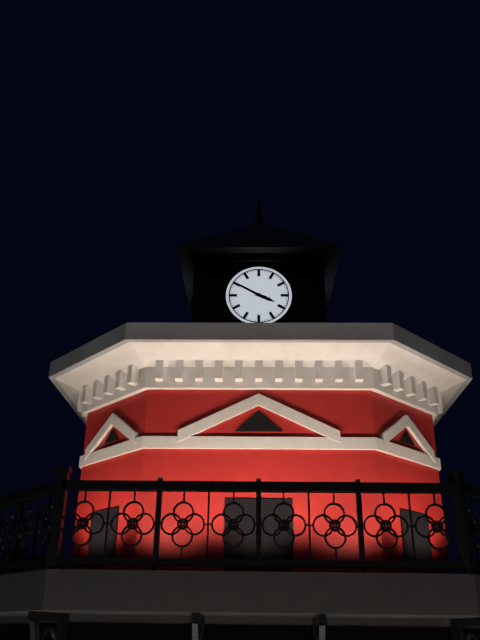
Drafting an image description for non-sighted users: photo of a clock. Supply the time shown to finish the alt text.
3:50
